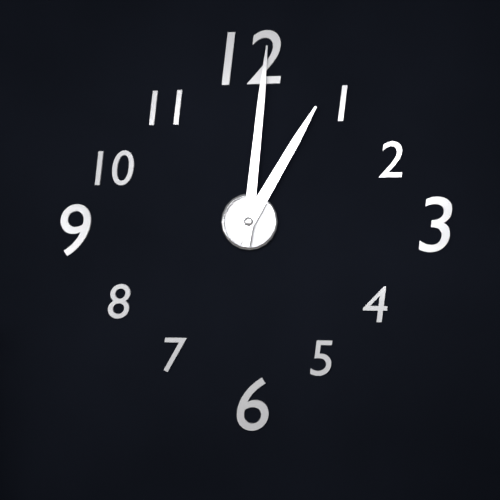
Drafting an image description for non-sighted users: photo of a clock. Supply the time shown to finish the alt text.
1:01
